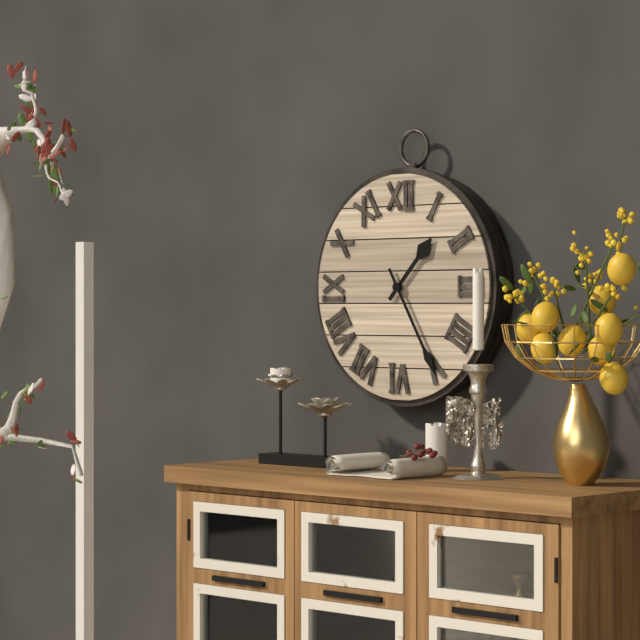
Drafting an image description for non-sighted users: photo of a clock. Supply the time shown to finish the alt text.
1:25
